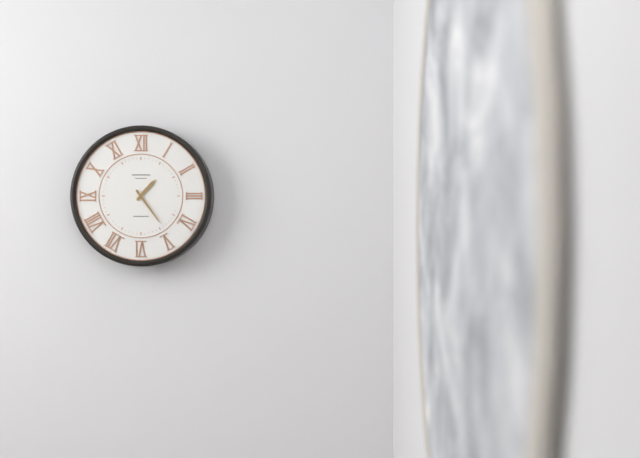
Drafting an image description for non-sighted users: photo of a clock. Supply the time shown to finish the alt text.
1:24
